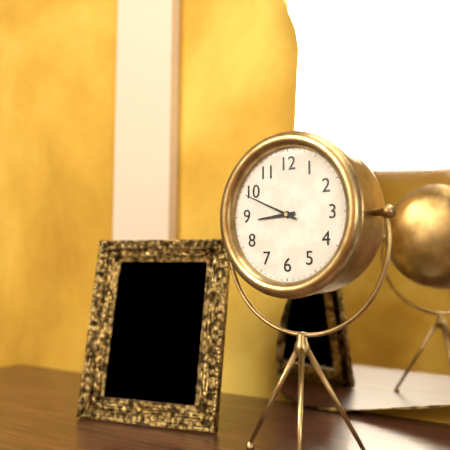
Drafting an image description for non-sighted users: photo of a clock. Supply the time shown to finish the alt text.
8:49
